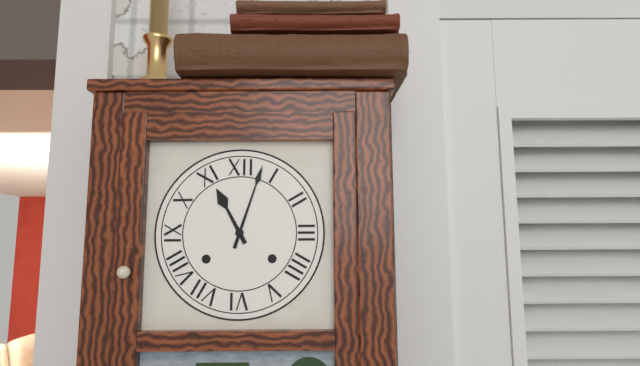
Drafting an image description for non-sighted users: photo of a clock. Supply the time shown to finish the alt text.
11:03
